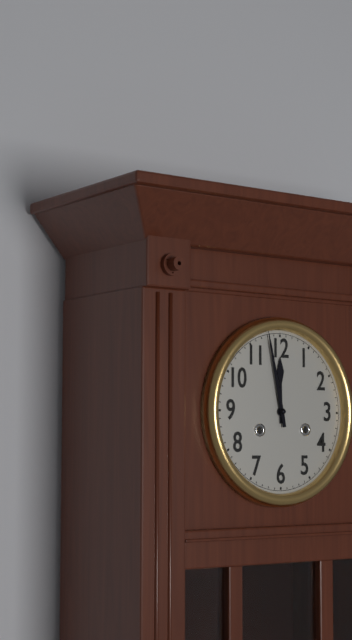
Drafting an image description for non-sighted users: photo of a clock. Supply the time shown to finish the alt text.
11:58
